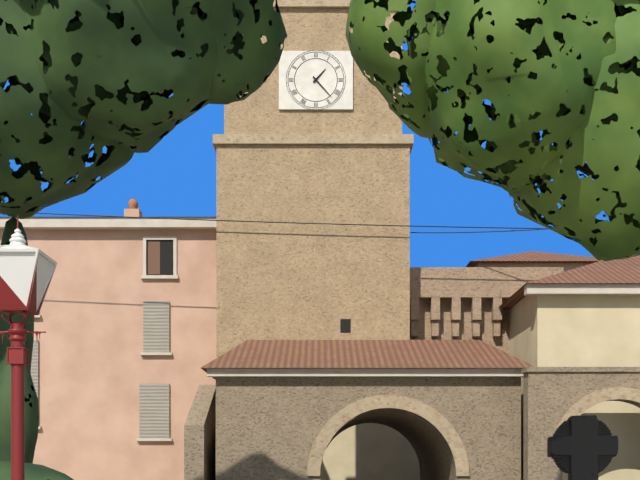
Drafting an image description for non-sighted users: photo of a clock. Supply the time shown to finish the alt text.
1:23
